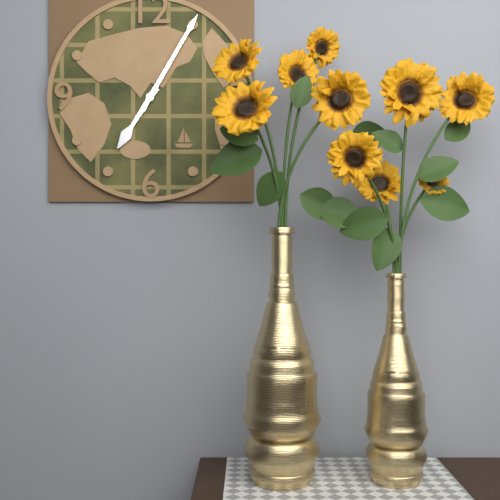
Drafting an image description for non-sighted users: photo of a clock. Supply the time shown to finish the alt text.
7:05
